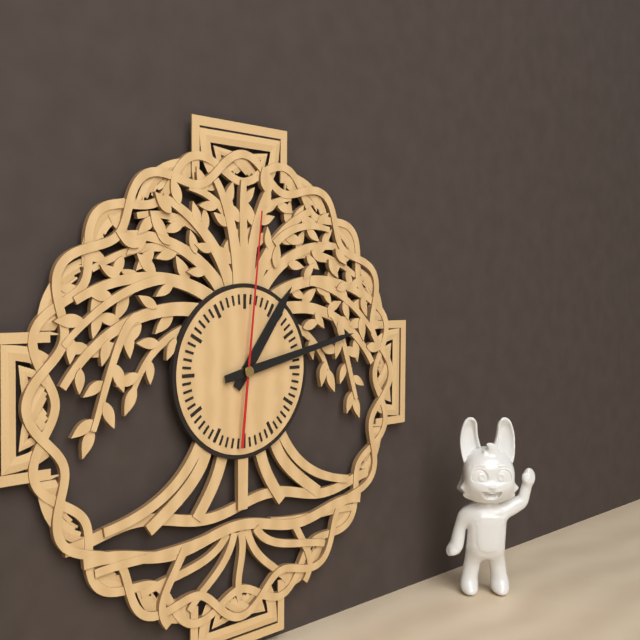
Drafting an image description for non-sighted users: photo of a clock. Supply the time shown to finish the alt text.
1:13:01
